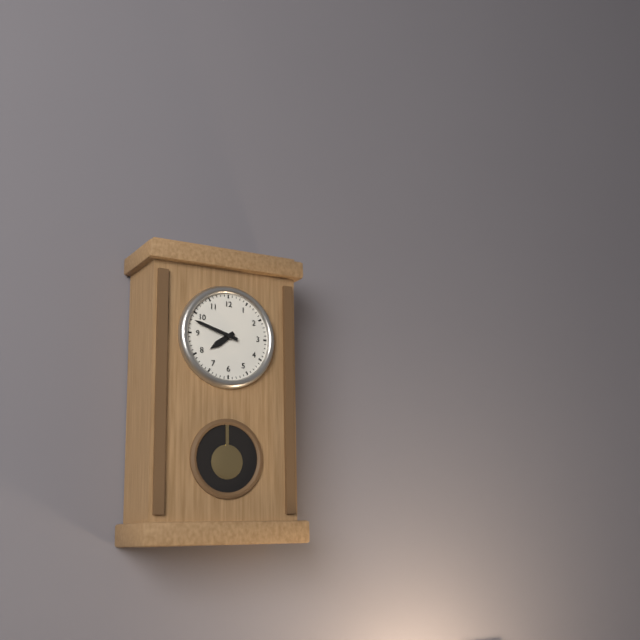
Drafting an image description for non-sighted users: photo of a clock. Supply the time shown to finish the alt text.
7:48
